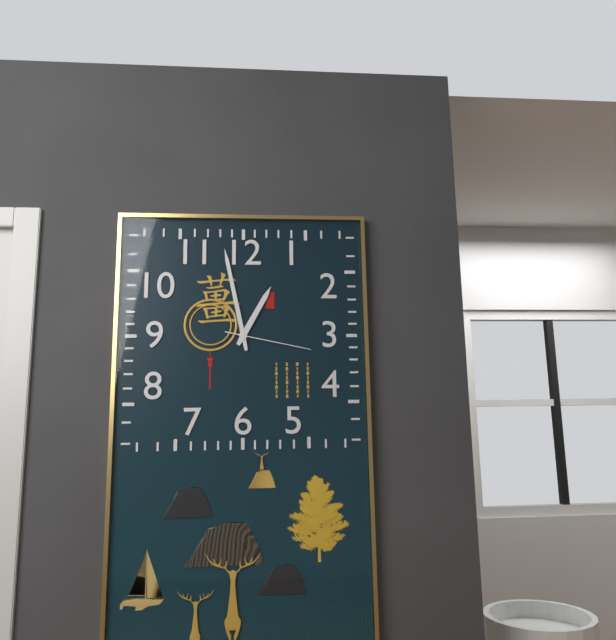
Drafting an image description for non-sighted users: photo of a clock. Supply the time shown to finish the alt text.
12:58:17
